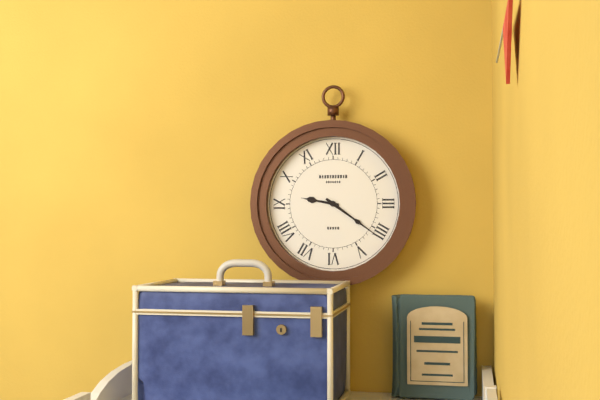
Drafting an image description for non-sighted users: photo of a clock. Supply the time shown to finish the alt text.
9:21
